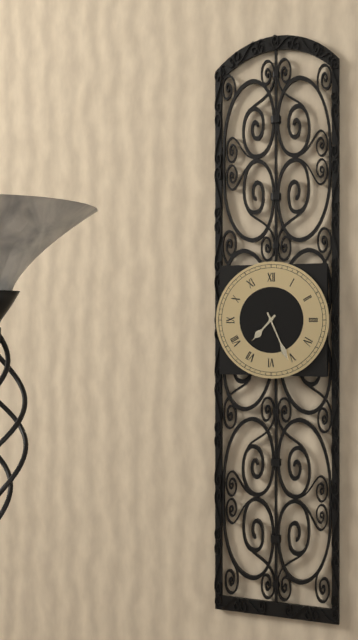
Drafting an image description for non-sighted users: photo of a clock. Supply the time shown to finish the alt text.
7:26
